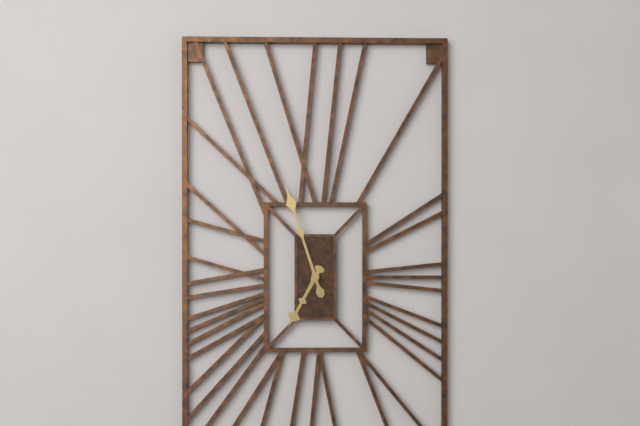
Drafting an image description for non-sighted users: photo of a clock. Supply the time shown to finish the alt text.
6:57
